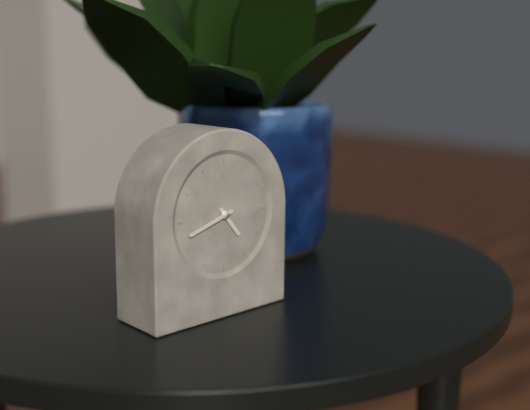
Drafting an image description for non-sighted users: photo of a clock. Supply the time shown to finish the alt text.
4:42
